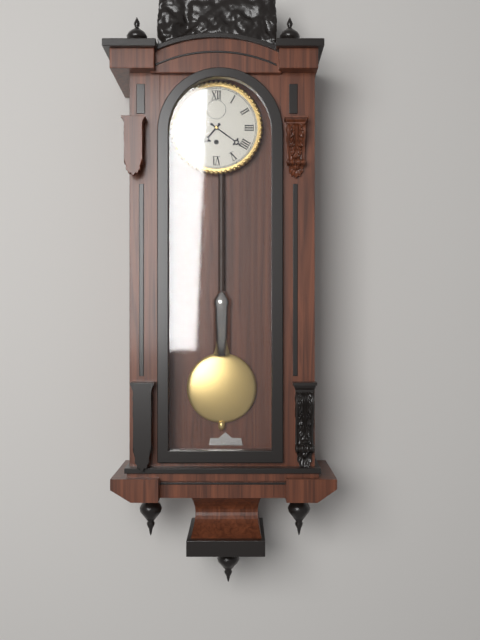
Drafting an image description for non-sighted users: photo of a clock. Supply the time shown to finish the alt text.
7:21
